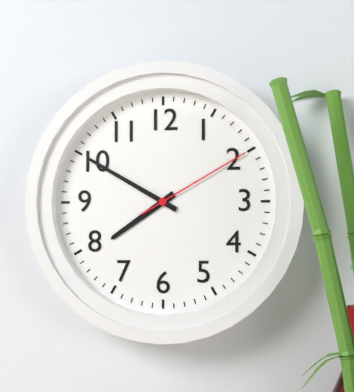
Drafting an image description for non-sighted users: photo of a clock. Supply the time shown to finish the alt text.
7:50:10
